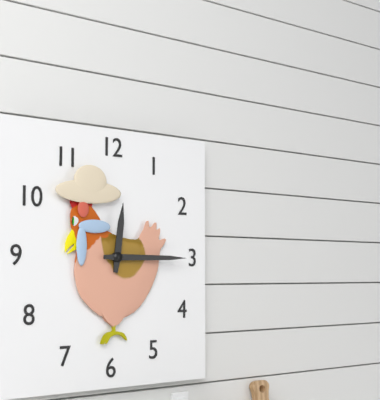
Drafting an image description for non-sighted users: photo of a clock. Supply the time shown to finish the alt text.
12:15
